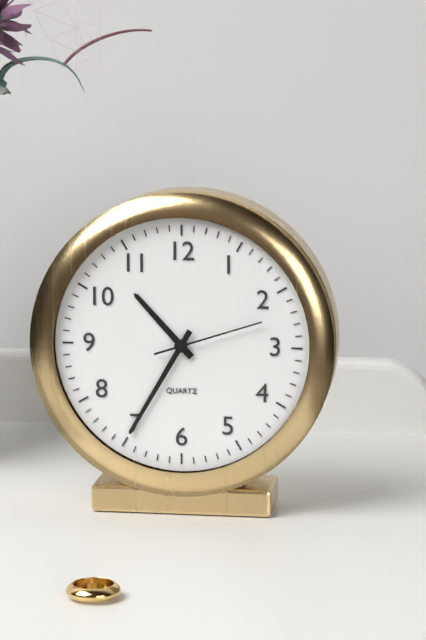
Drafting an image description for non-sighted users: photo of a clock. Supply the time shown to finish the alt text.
10:35:12
